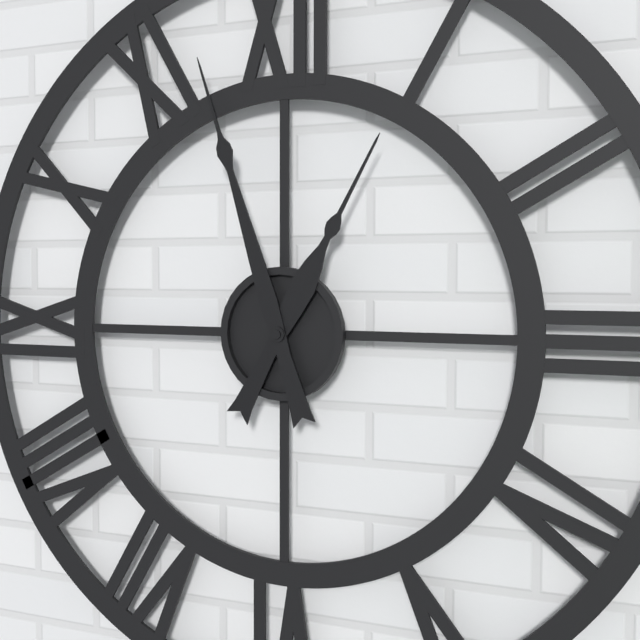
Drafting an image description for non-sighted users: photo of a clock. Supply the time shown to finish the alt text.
12:57
